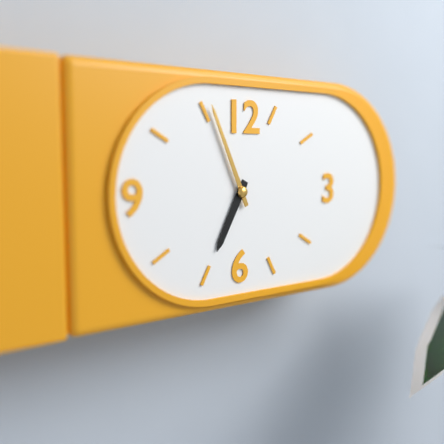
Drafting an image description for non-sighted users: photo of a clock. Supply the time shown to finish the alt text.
6:56
